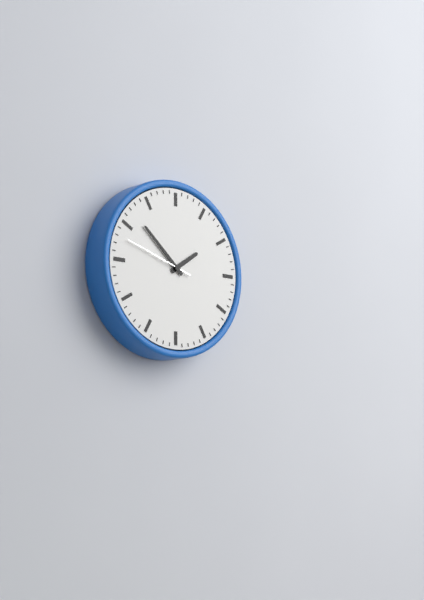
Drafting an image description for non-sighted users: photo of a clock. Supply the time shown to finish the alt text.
1:52:48
